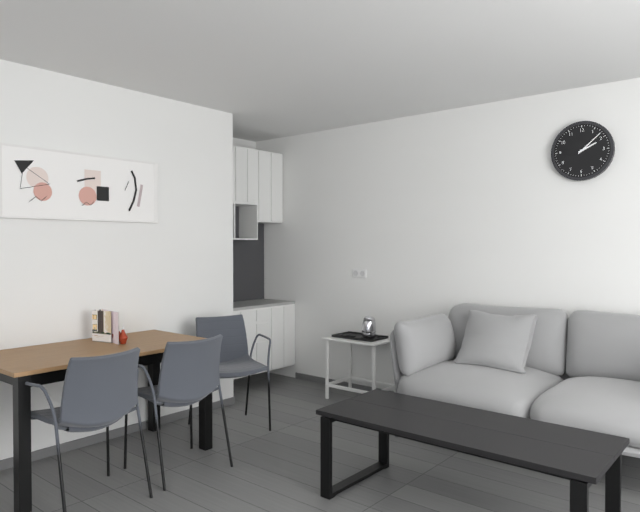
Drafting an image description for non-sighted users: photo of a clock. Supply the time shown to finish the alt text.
2:08
